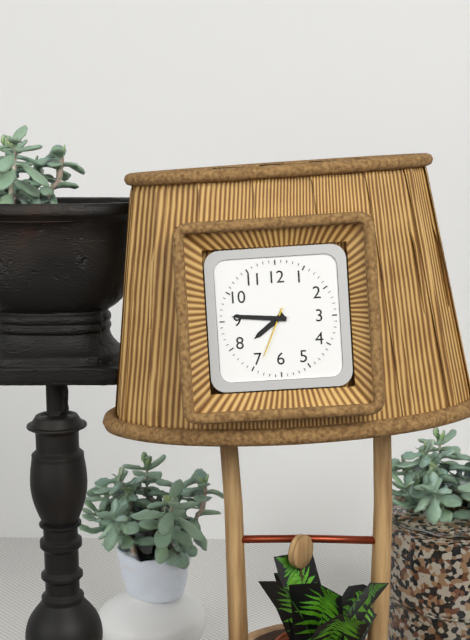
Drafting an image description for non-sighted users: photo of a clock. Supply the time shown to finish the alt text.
7:46:34
